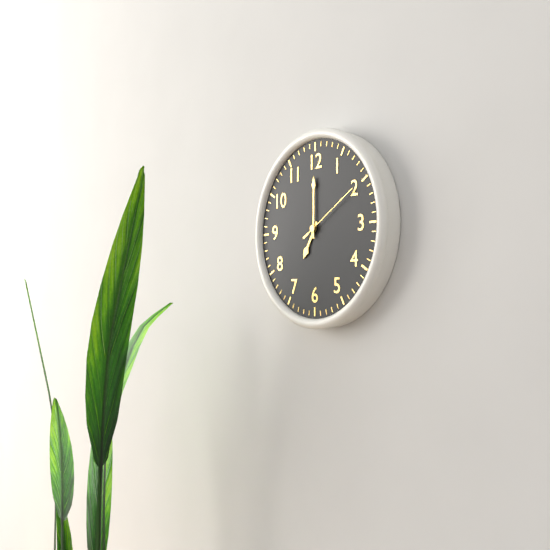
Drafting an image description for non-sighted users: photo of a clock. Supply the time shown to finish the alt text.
7:00:10
